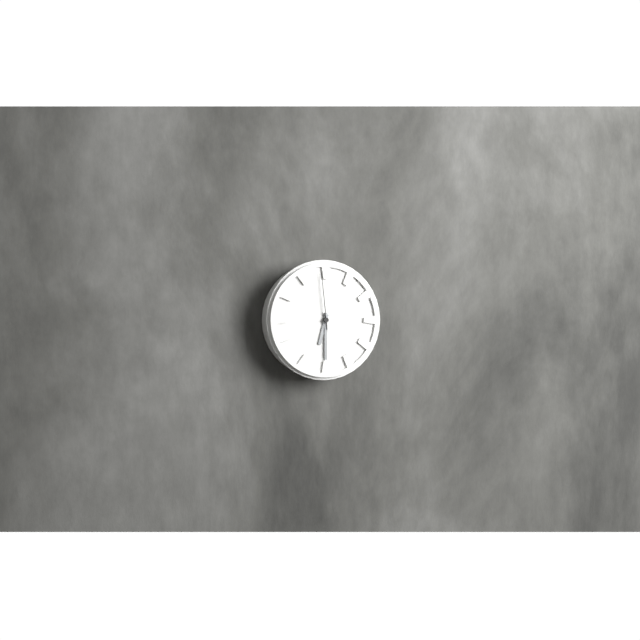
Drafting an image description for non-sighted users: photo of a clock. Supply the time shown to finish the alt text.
6:30:59
